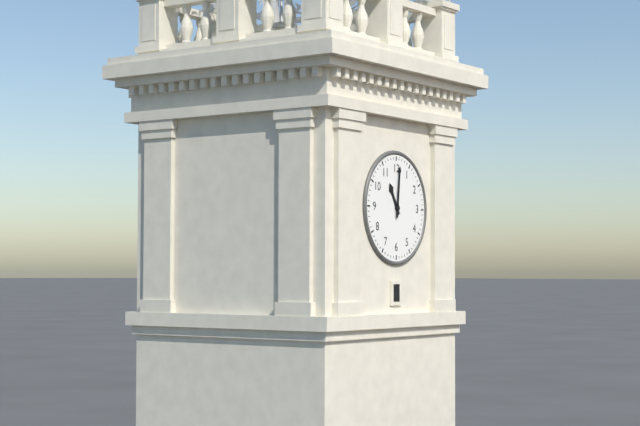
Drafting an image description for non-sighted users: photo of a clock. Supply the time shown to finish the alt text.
11:01
